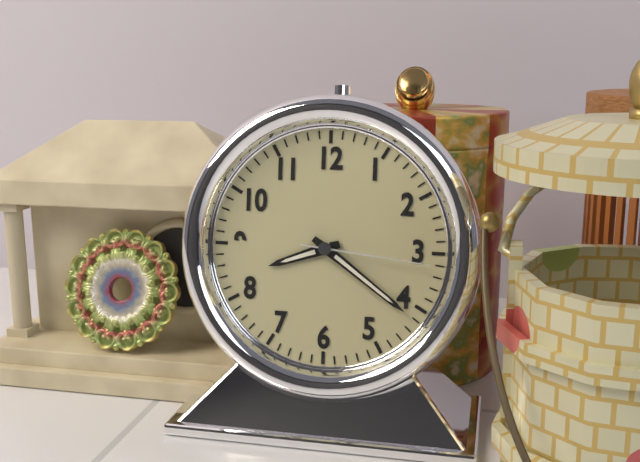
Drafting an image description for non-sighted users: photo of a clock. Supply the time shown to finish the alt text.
8:21:16
